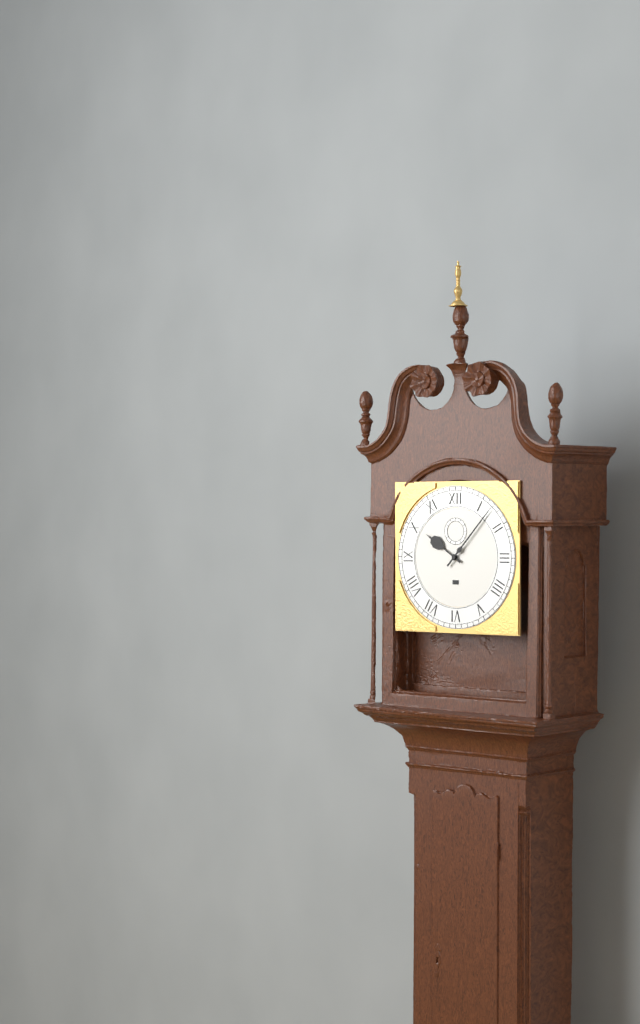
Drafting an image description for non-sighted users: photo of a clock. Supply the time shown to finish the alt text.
10:07
